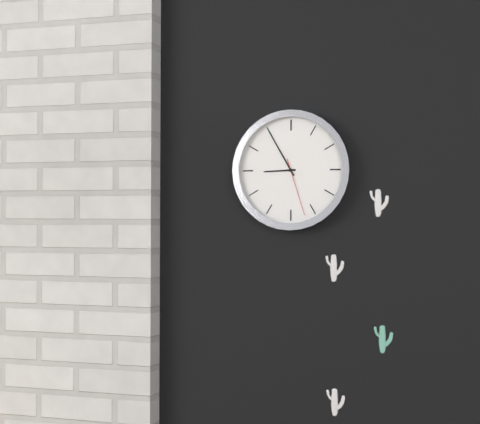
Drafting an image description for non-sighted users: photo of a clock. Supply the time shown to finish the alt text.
8:55:27
